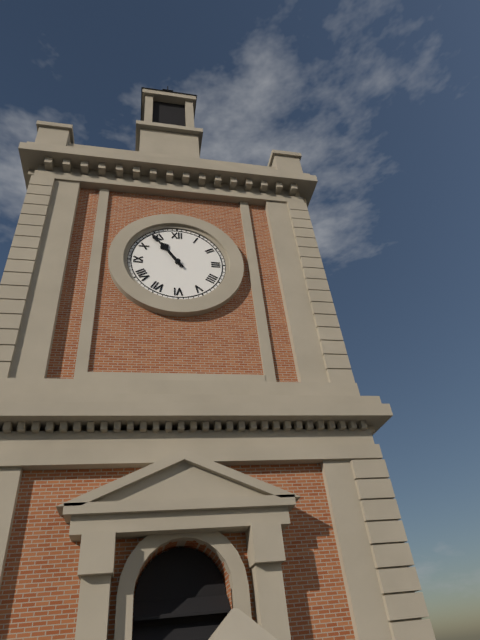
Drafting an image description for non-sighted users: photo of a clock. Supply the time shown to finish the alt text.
10:54
